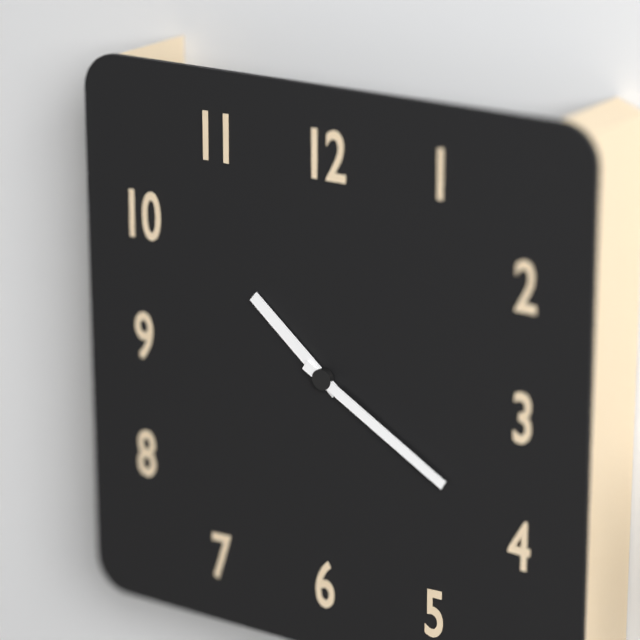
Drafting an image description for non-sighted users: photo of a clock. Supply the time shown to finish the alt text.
10:20
